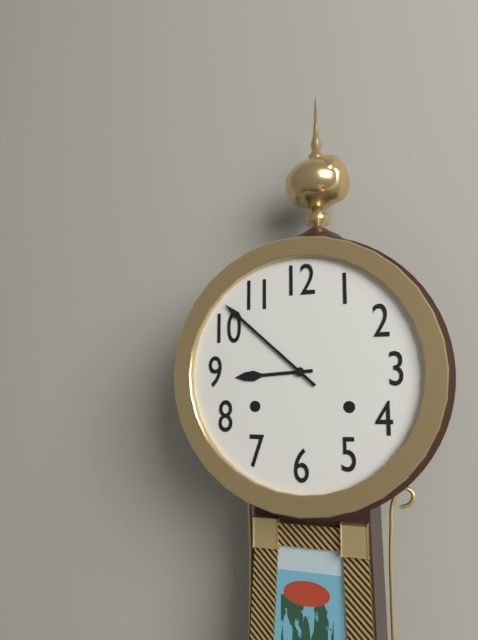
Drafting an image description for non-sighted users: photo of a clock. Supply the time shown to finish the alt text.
8:52
